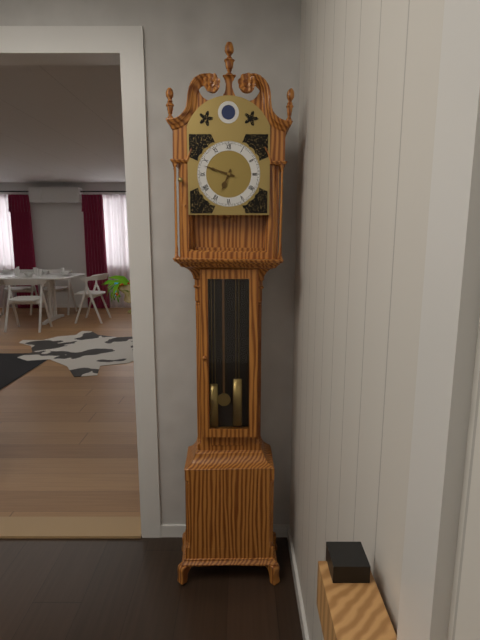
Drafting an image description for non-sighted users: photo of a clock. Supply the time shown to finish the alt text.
6:48
